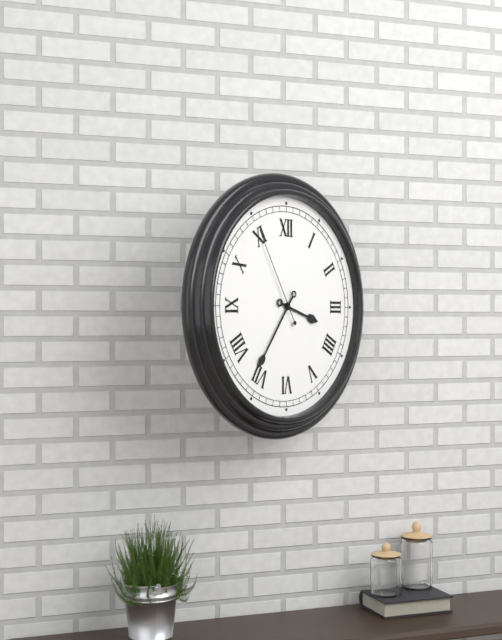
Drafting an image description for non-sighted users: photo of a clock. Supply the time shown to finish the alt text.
3:36:55
